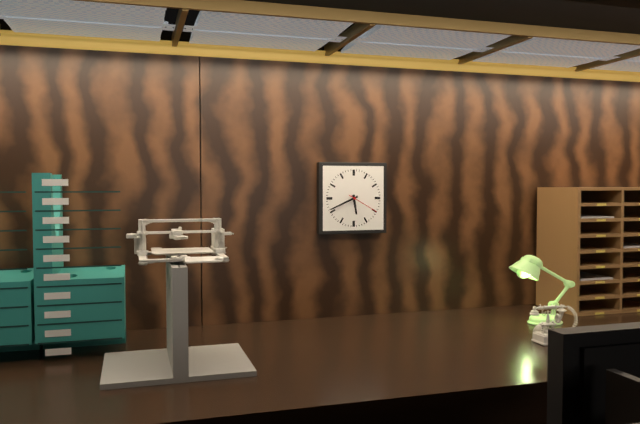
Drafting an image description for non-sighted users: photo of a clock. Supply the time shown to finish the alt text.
5:41
